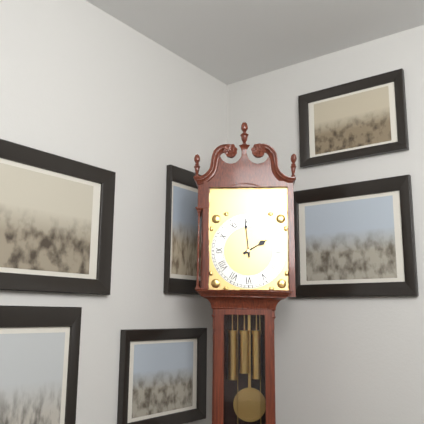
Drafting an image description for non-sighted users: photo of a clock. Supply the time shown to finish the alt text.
1:59
